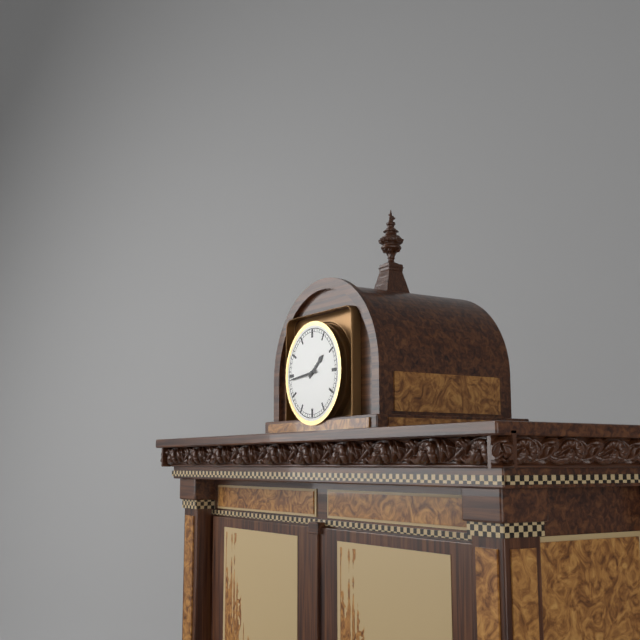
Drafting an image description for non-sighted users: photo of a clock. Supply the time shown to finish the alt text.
1:44
